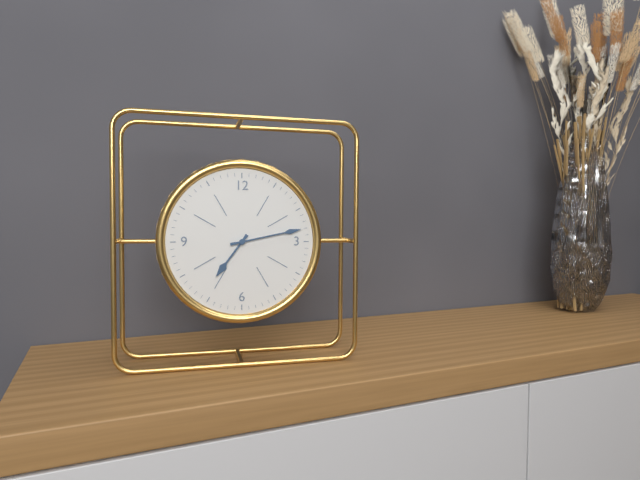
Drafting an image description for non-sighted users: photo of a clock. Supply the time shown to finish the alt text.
7:13
